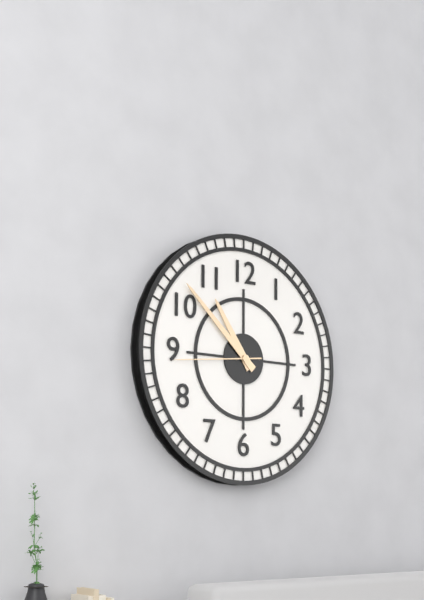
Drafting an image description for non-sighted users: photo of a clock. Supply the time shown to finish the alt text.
10:52:44
